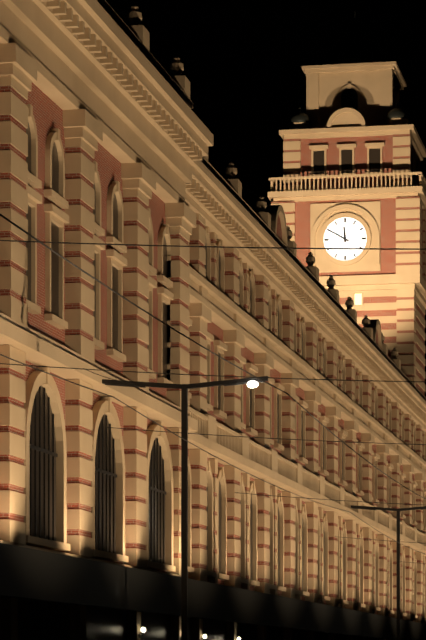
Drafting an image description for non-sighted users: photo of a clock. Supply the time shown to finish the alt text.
11:50
